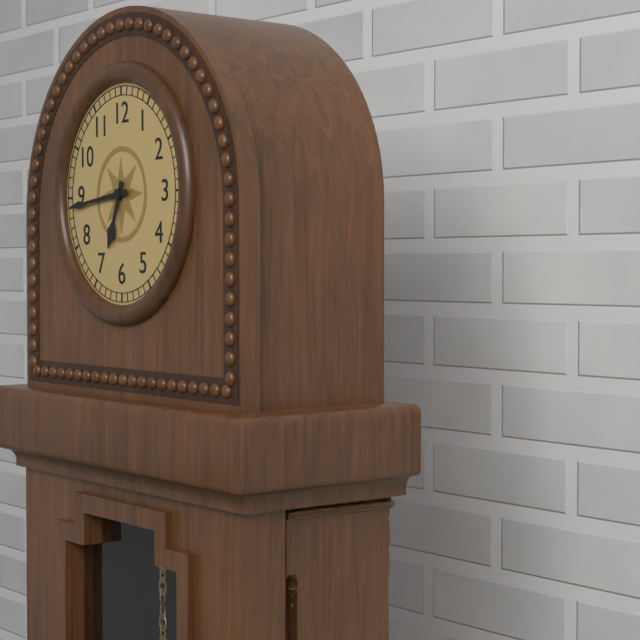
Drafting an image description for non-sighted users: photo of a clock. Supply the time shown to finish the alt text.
6:44
